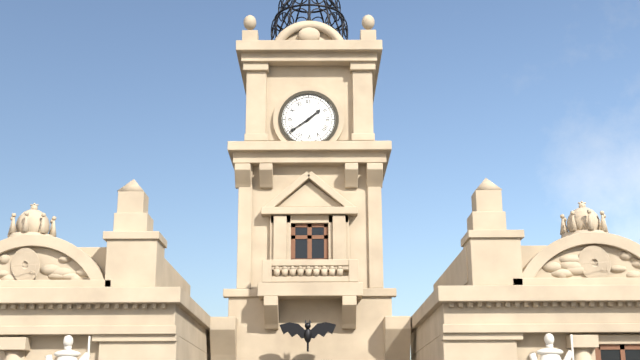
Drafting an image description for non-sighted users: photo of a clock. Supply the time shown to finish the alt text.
1:39
